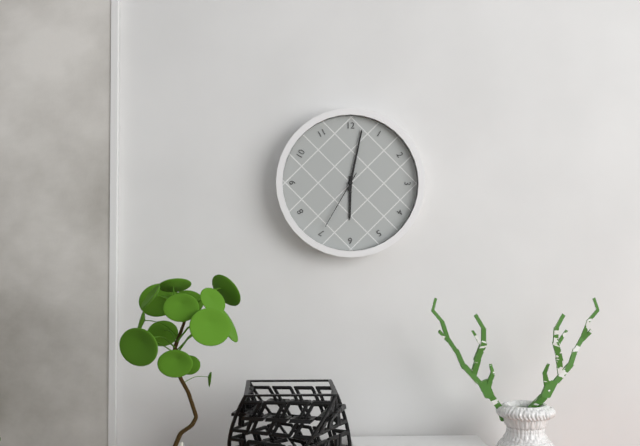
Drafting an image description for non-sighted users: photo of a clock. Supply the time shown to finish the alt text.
6:02:35
